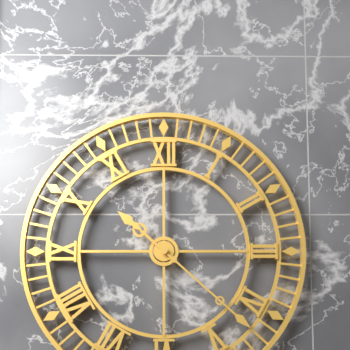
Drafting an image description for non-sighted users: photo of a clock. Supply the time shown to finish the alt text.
10:22
